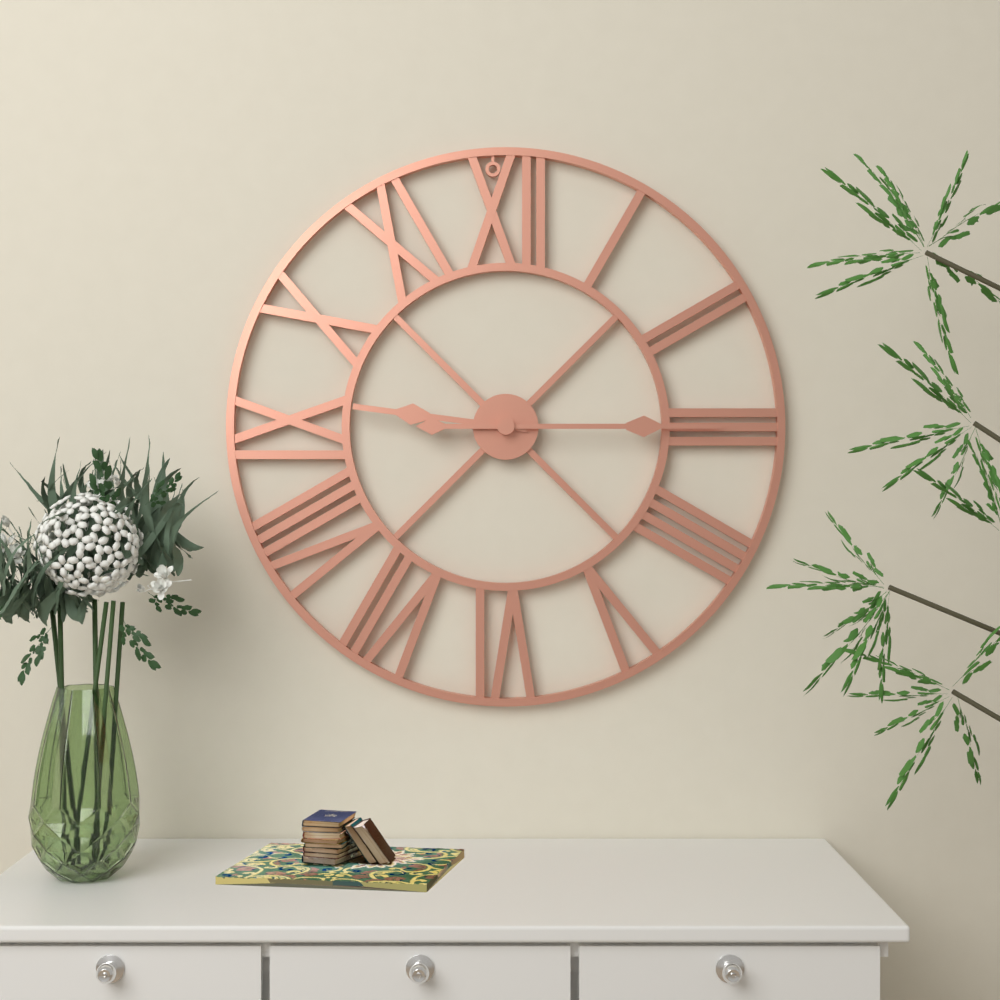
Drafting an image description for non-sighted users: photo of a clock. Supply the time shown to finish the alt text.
9:15
